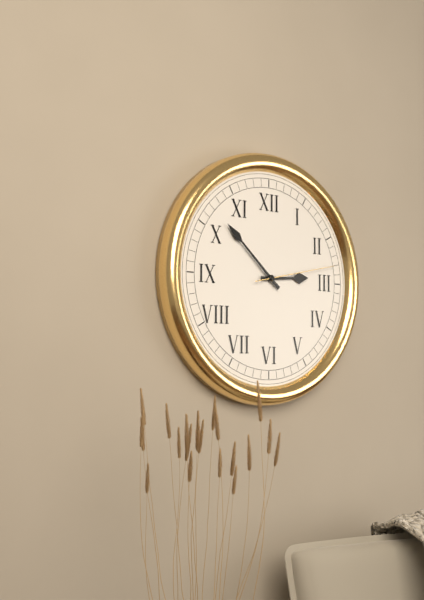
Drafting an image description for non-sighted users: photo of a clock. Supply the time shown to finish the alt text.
2:52:13
